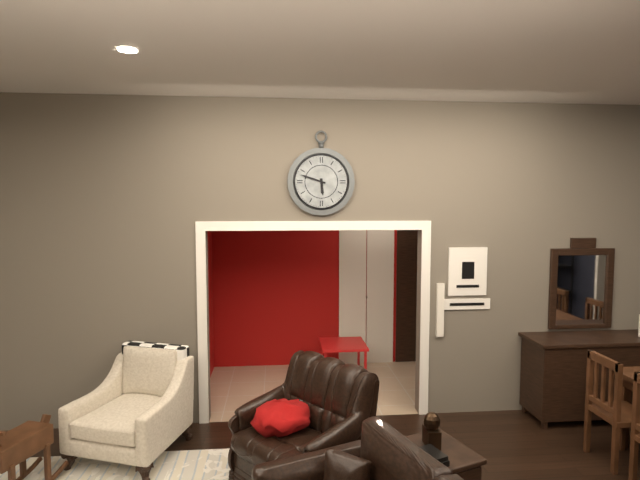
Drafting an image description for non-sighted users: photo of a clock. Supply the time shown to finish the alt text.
5:48
